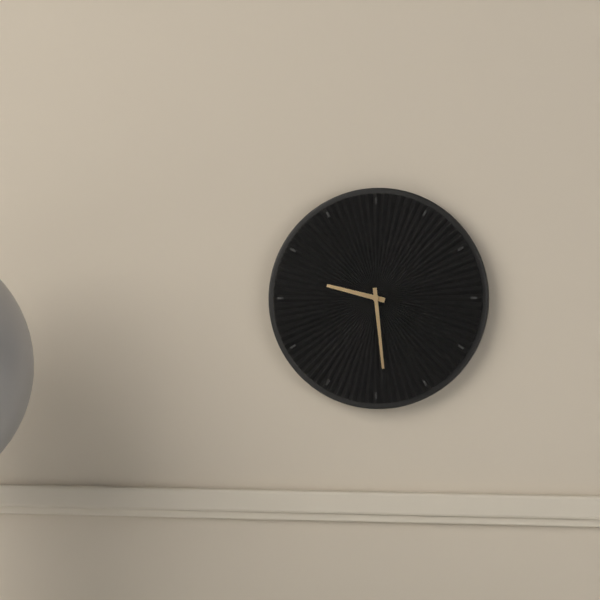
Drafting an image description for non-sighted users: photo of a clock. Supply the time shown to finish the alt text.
9:29
